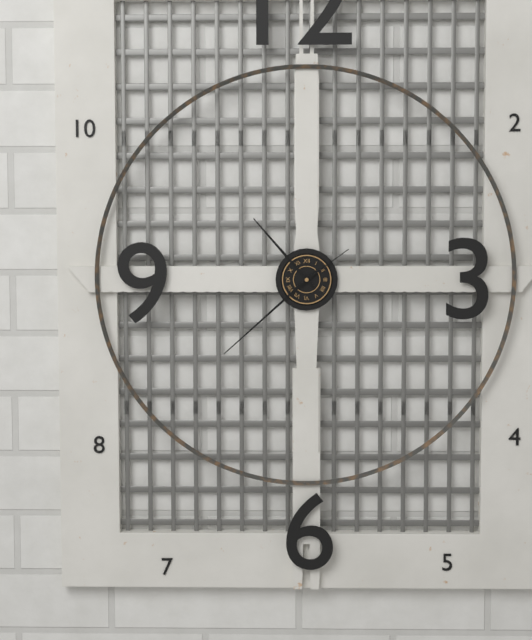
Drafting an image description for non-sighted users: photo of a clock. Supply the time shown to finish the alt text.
10:38:09
